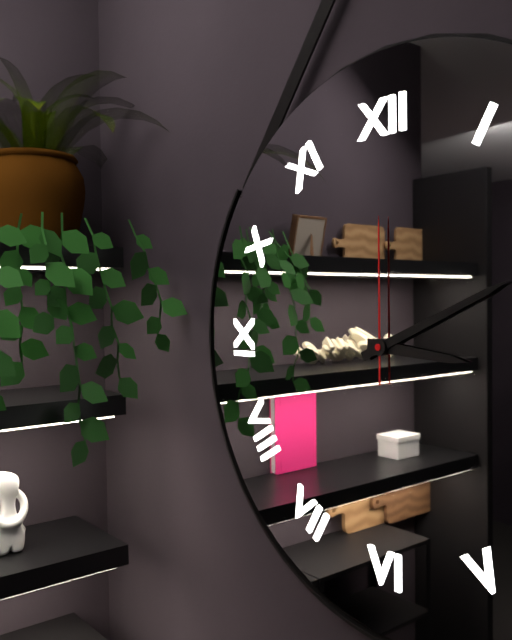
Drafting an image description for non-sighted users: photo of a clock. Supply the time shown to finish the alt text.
3:11:00
